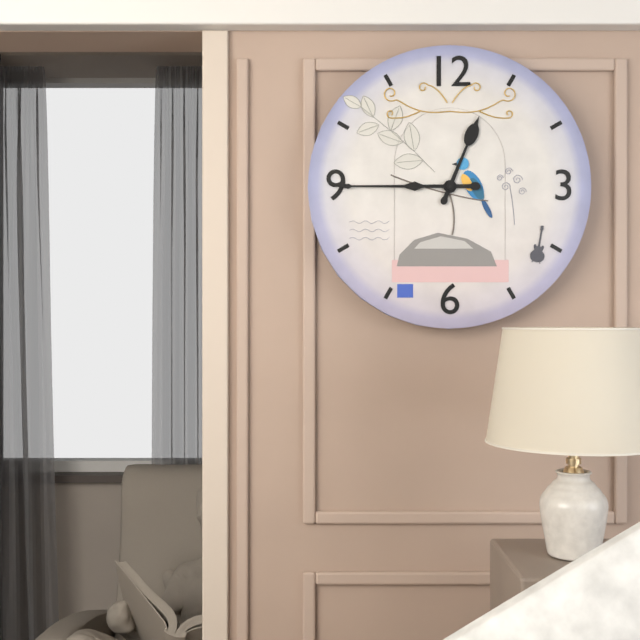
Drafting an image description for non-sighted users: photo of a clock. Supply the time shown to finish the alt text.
12:45
